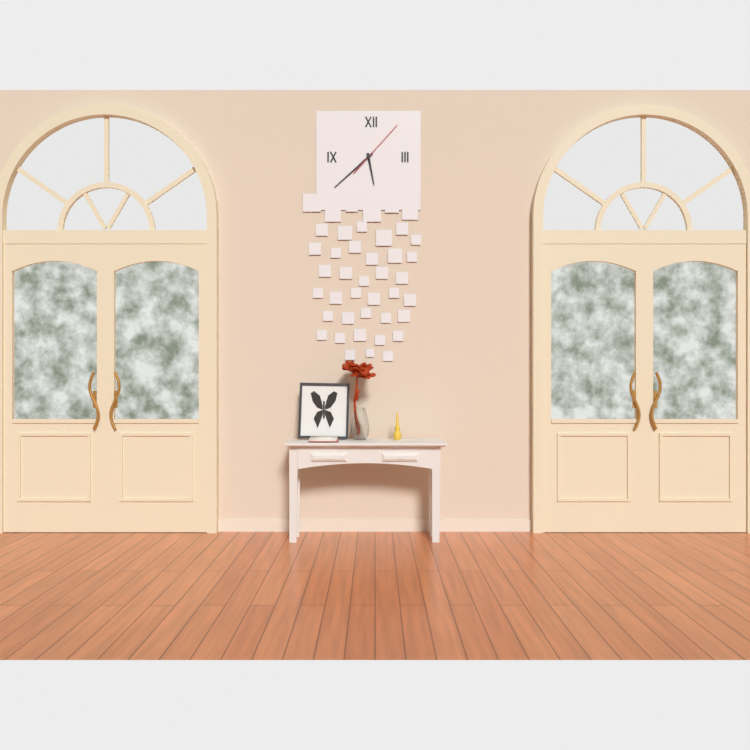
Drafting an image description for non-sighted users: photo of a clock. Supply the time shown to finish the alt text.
5:38:07
